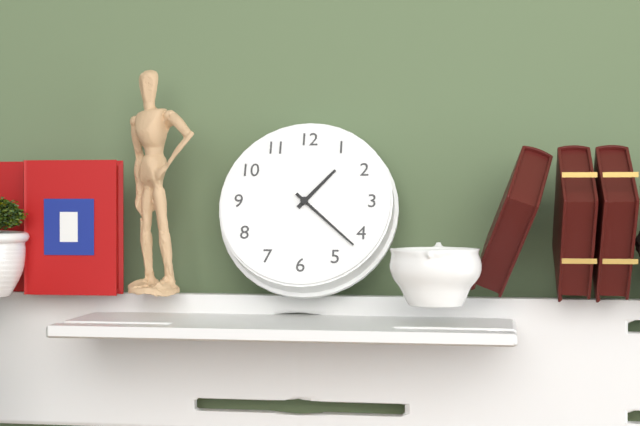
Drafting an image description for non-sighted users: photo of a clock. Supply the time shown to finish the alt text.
1:22
